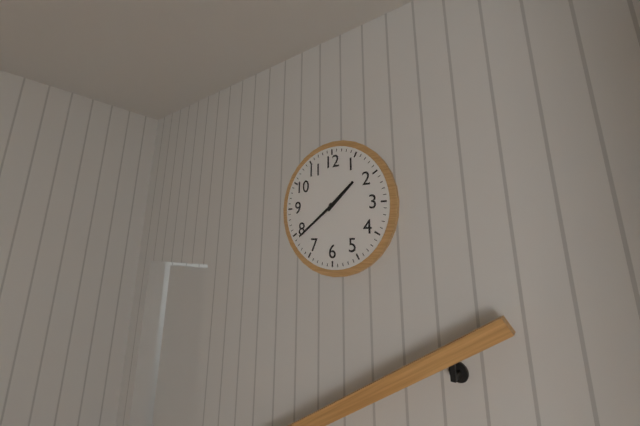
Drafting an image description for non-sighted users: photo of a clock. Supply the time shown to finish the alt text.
1:39
